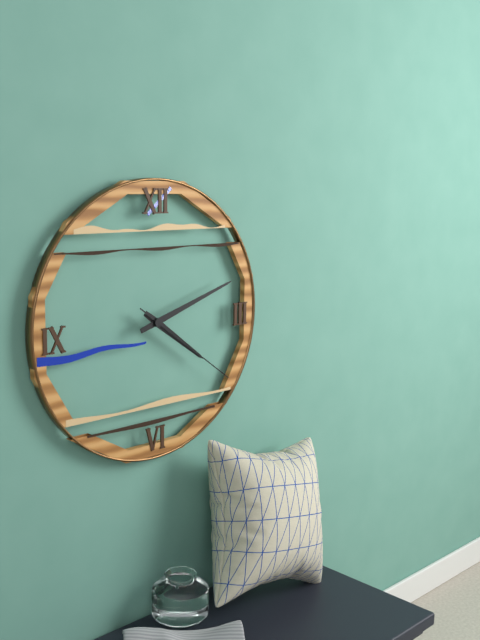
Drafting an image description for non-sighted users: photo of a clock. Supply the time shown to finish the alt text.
4:12:21
